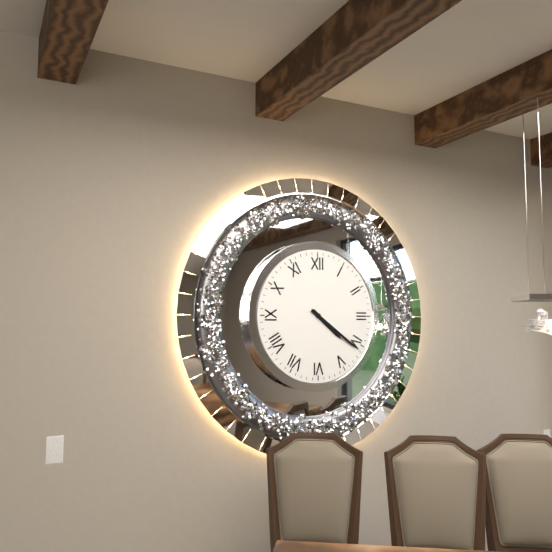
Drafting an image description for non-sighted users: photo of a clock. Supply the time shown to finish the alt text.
4:21
